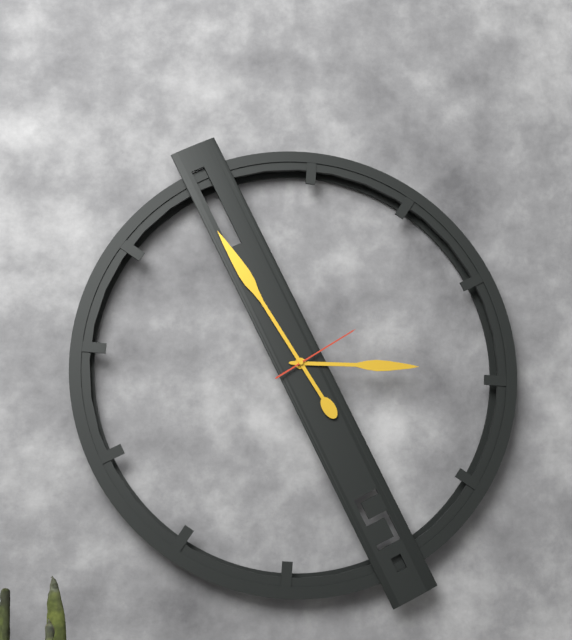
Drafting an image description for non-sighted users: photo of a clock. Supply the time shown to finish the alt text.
2:54:09
